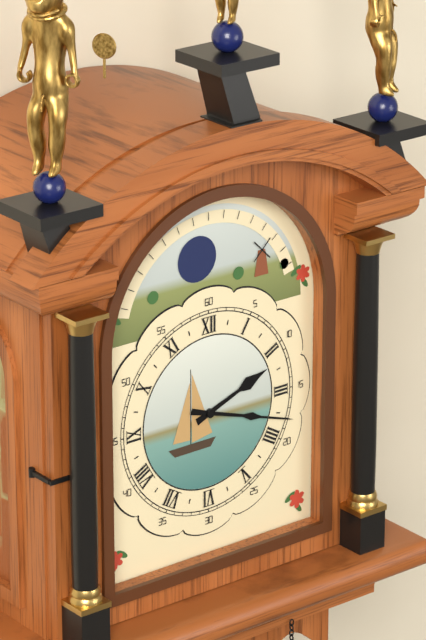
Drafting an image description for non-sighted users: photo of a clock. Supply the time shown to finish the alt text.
2:18
